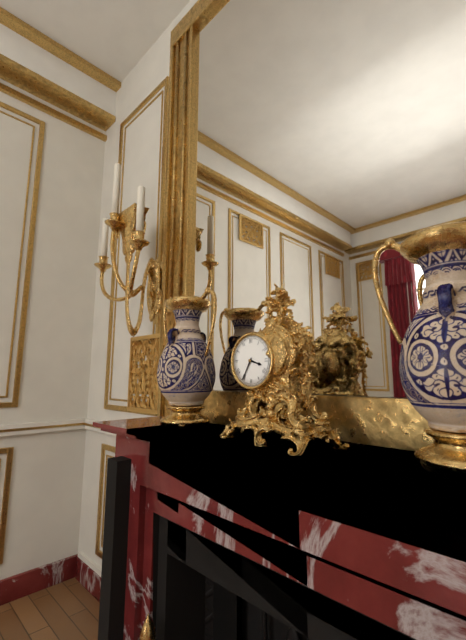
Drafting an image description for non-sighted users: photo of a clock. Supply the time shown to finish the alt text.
3:35
